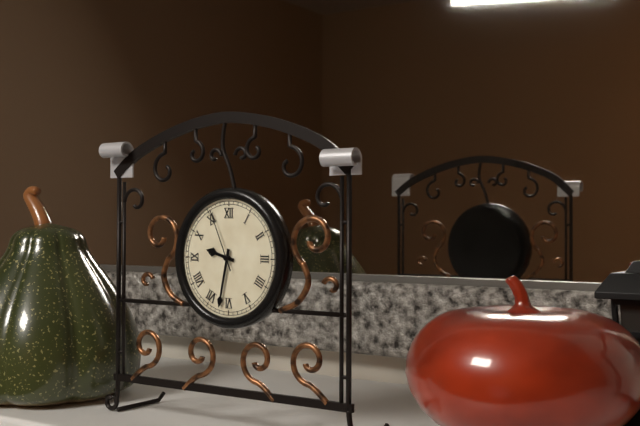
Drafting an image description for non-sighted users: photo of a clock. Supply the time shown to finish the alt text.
9:32:56
